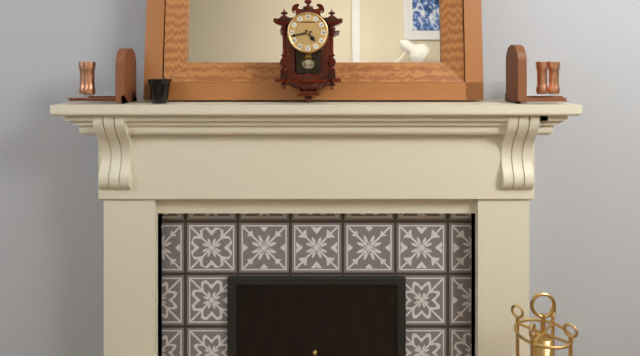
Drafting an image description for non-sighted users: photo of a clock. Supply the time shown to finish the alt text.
4:43
